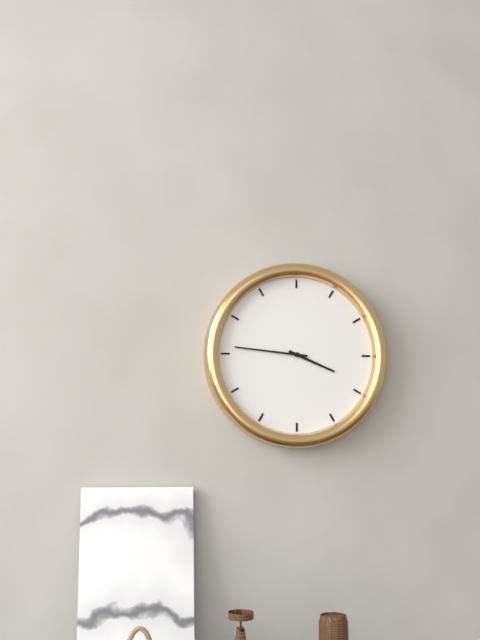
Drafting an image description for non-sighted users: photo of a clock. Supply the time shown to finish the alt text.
3:46
